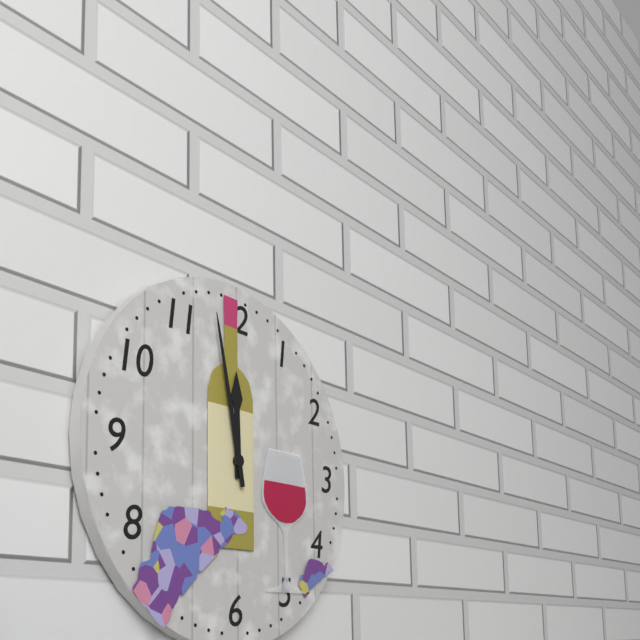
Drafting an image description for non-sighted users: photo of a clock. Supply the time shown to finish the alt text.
11:58
